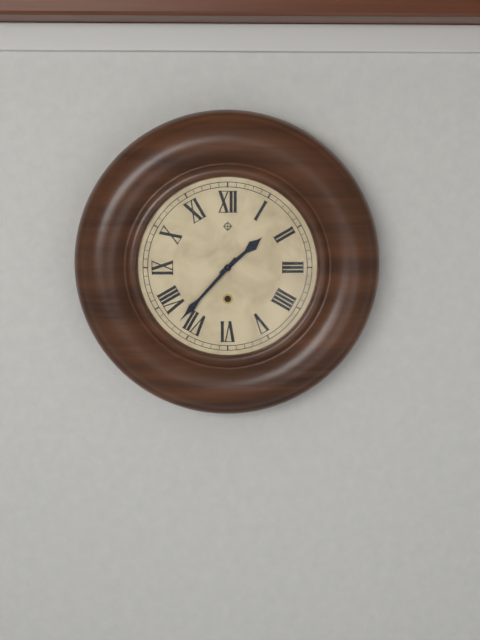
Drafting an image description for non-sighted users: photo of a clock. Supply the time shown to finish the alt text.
1:37
